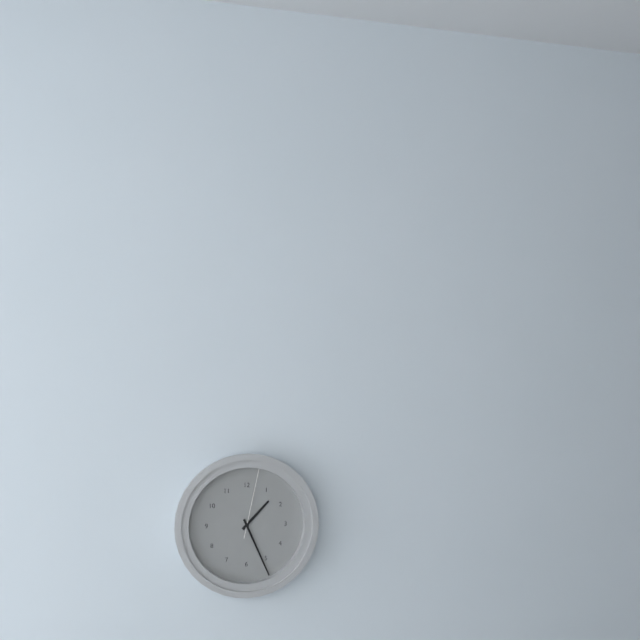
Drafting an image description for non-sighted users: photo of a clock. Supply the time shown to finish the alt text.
1:26:02
